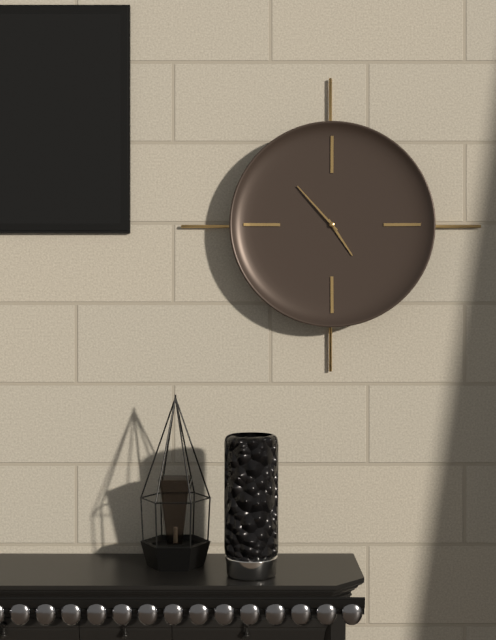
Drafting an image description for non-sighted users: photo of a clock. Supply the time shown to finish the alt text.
4:53
